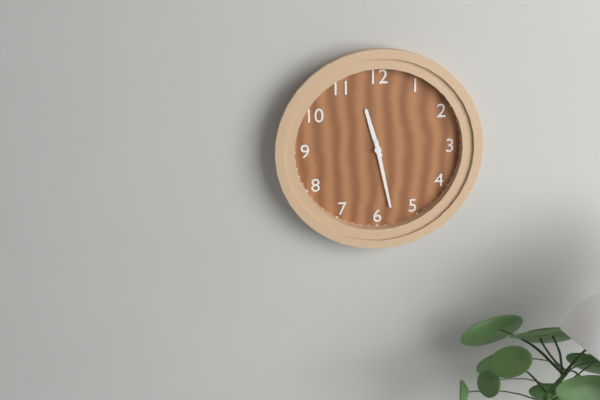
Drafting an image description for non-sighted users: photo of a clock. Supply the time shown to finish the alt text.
11:28
